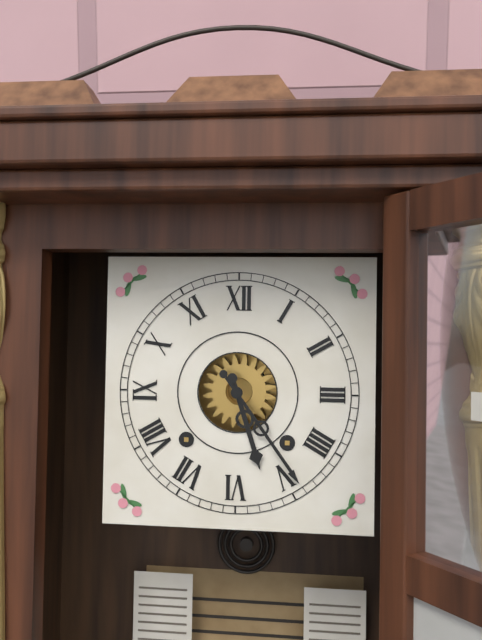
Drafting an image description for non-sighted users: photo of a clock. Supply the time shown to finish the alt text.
5:24
